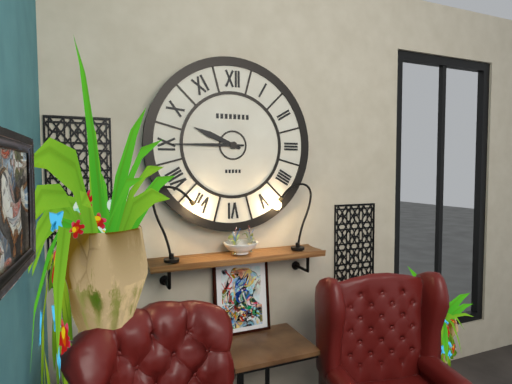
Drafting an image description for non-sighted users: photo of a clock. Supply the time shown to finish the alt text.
9:45
